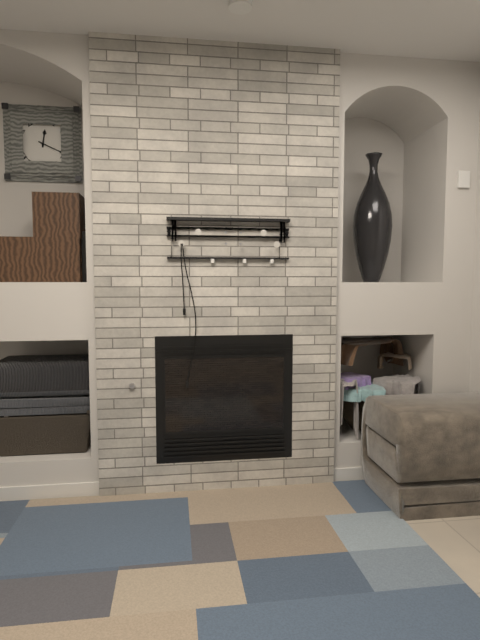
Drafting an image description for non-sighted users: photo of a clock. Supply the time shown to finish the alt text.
12:19
